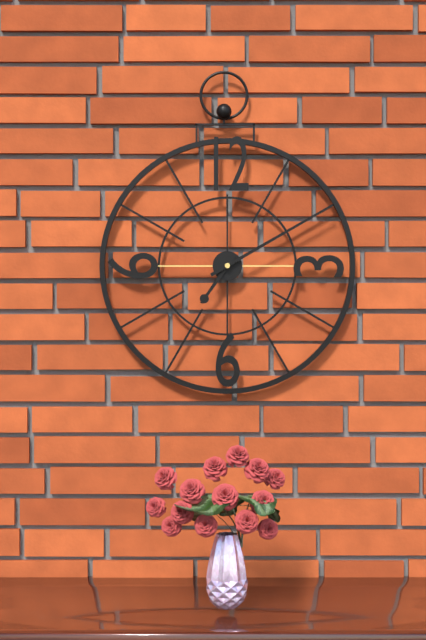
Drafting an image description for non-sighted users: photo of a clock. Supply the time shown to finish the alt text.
7:10
